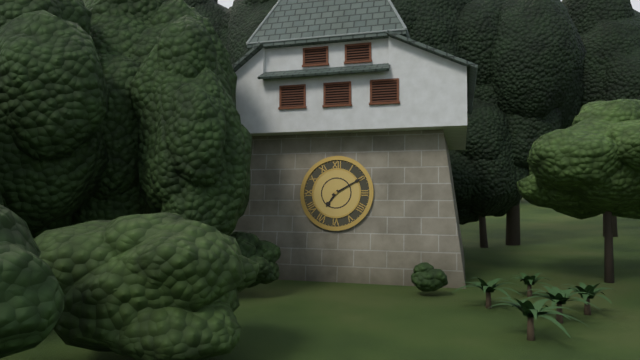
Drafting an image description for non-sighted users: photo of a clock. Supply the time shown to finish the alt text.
7:10
